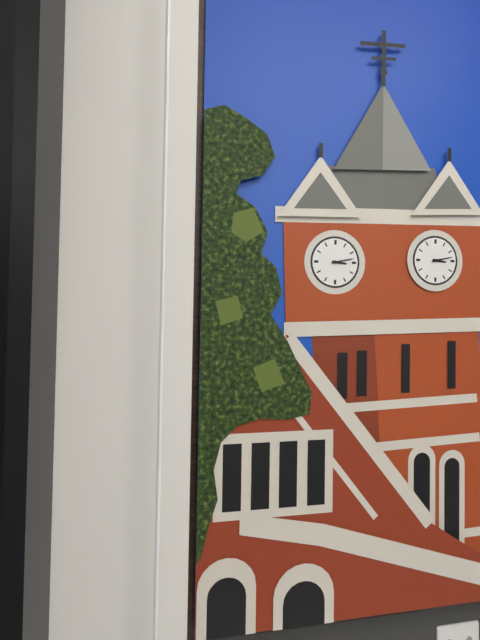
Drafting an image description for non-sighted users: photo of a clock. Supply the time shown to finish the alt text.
3:13
